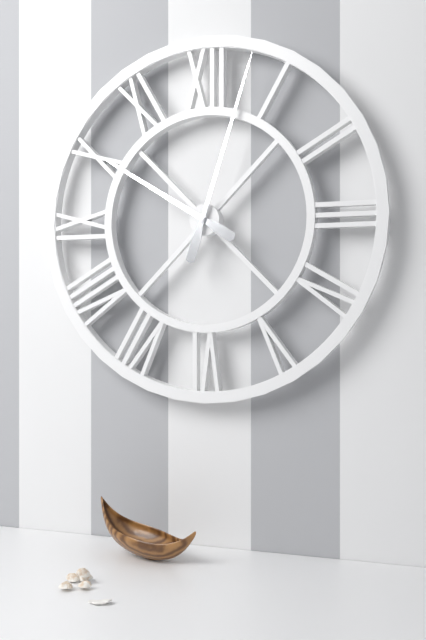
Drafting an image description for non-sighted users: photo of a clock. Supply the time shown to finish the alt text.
10:03
